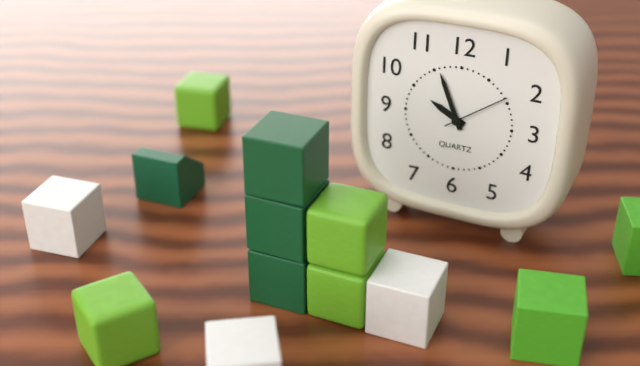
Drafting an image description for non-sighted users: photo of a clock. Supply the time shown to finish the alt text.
9:56:09
